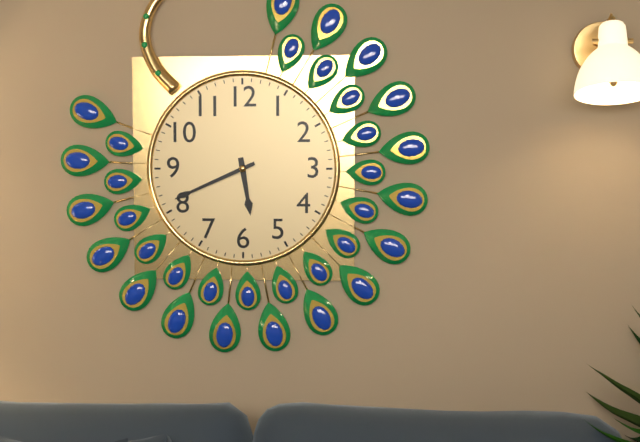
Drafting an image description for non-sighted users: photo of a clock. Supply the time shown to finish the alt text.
5:41
